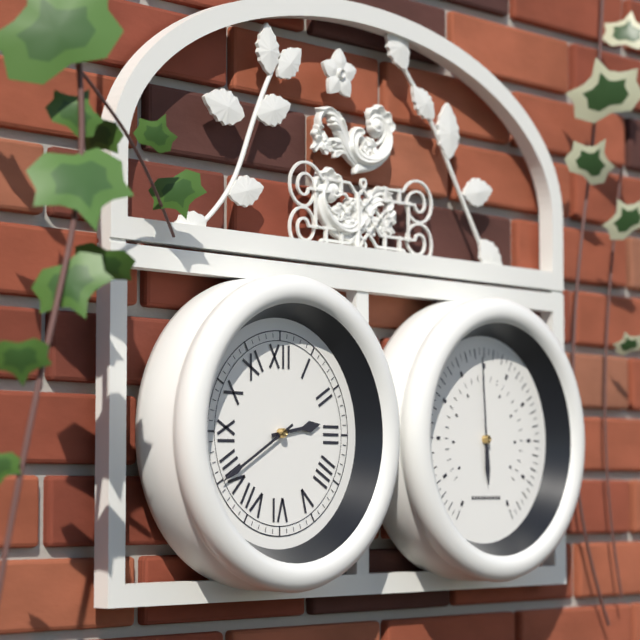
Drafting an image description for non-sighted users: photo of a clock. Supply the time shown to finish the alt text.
2:40
